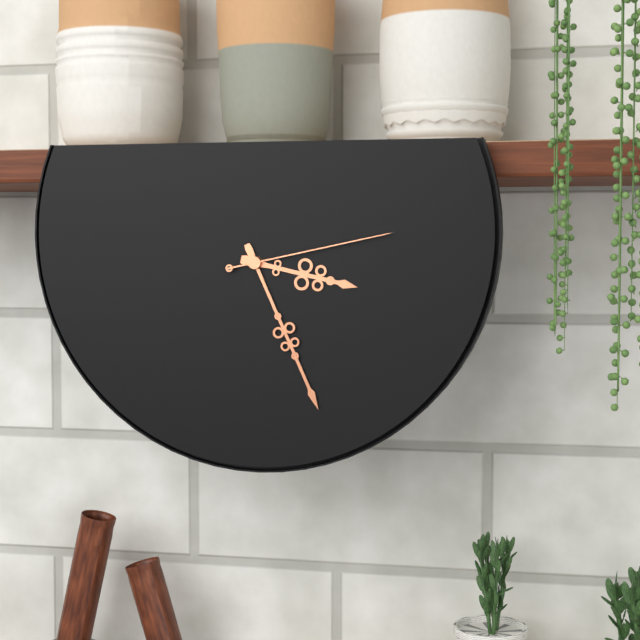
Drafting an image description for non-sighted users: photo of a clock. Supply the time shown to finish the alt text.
3:26:13
